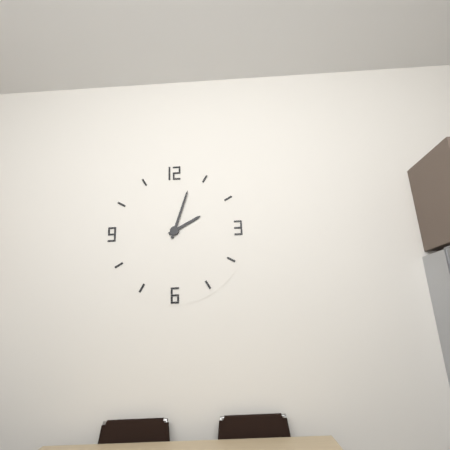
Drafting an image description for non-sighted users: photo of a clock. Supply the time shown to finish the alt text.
2:03
